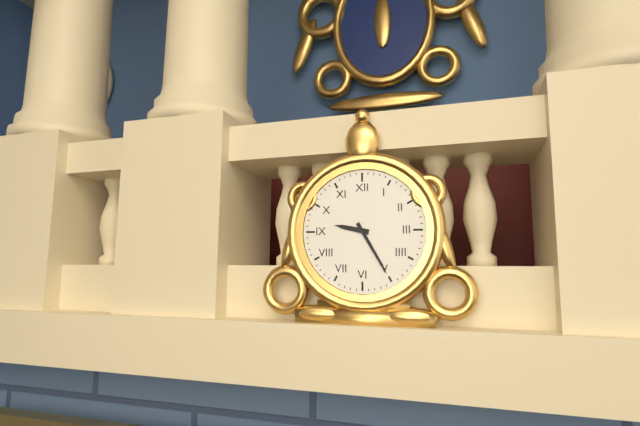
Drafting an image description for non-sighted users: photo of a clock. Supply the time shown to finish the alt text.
9:25
